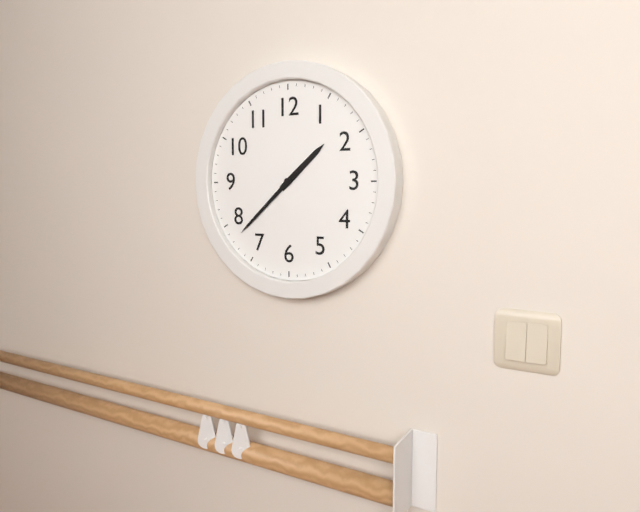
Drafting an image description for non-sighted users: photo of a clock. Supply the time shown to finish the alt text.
1:38
